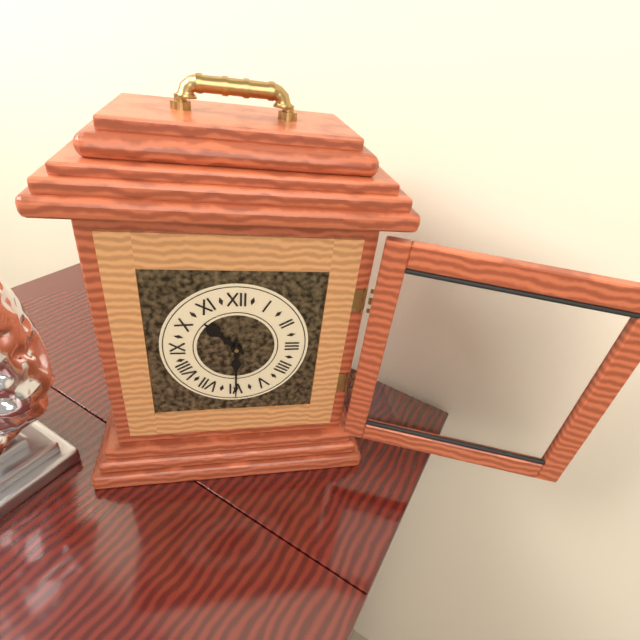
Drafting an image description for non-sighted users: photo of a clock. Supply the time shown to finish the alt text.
10:30
